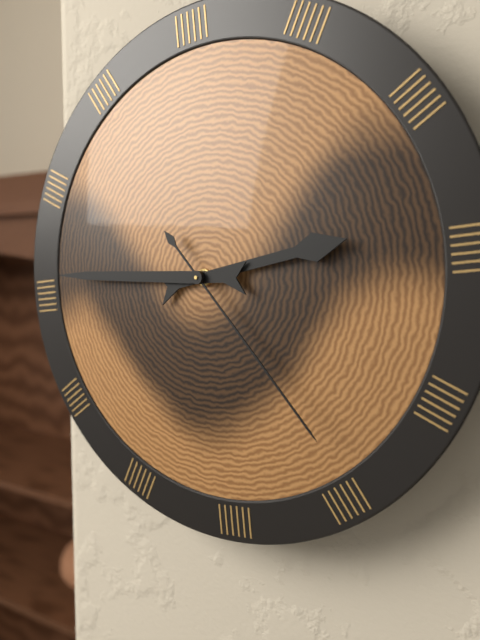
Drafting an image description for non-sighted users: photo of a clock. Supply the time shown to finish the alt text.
2:46:24
